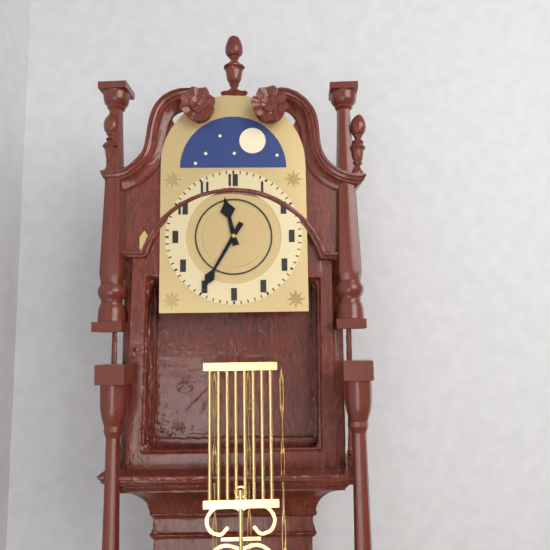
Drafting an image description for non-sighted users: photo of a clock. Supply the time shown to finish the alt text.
11:35
